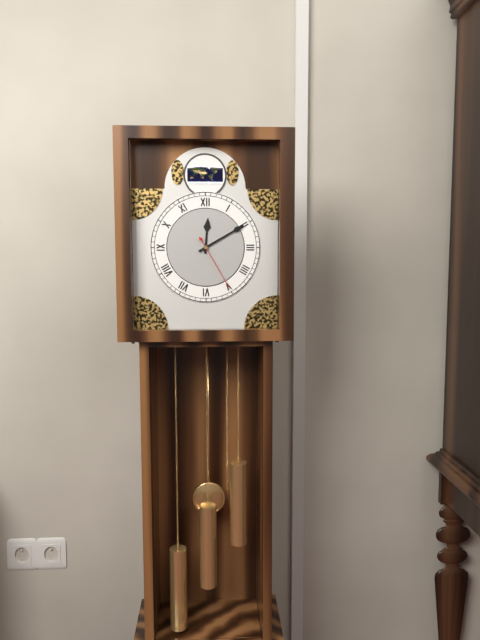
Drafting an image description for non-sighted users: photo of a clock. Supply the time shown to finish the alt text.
12:10:25
